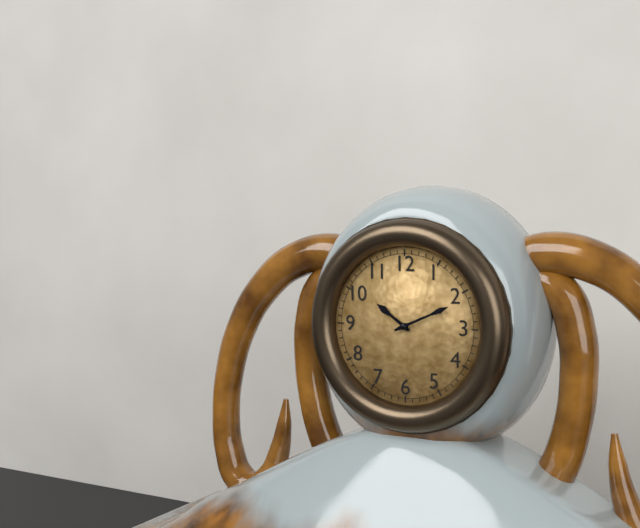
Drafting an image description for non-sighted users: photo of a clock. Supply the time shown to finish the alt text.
10:11
